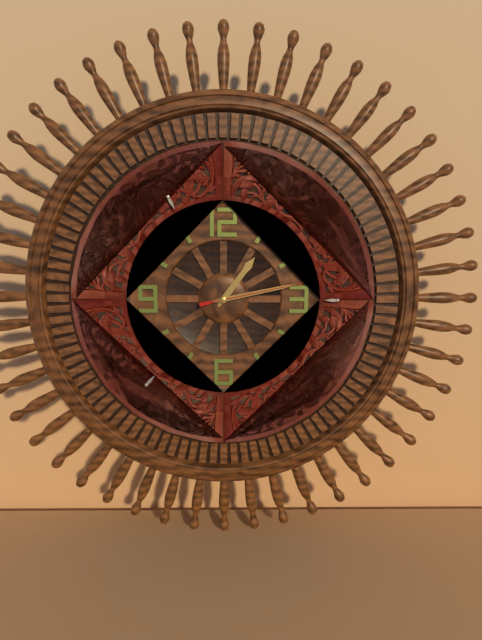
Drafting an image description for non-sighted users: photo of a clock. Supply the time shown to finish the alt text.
1:13:13
